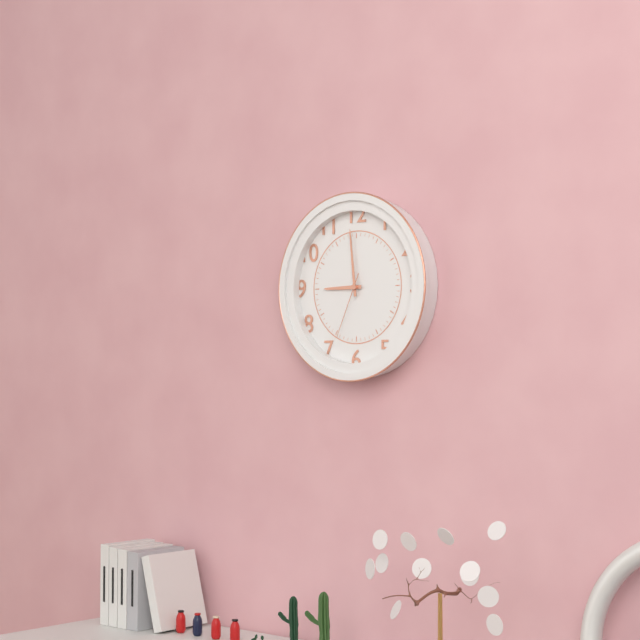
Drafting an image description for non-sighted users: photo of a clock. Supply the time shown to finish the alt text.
8:59:34
